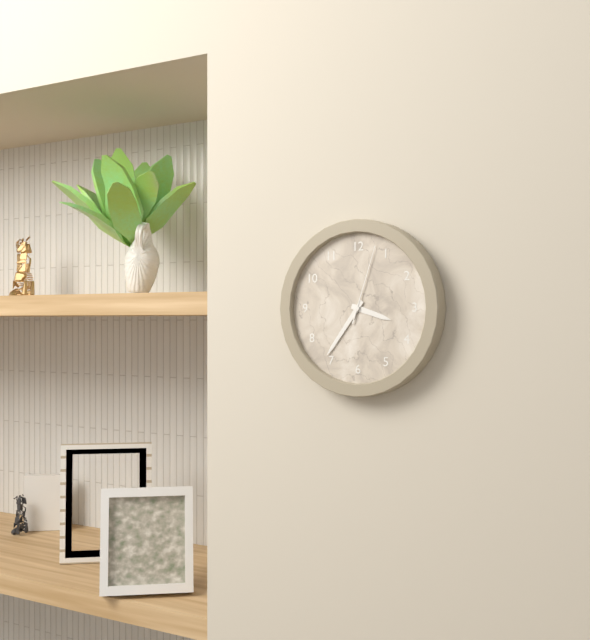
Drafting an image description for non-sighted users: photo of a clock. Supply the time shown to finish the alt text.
3:36:03
